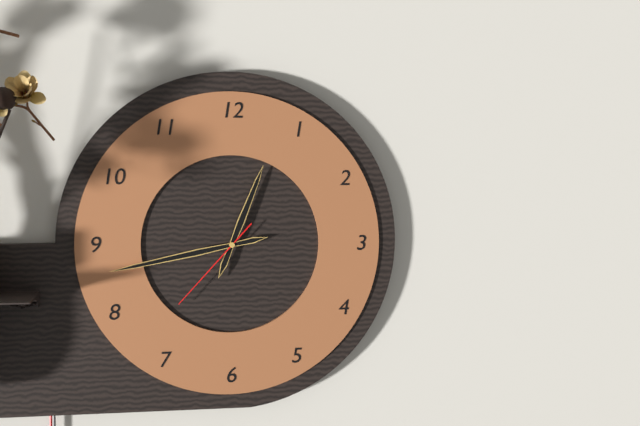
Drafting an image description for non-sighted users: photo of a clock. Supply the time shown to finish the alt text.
12:43:37
